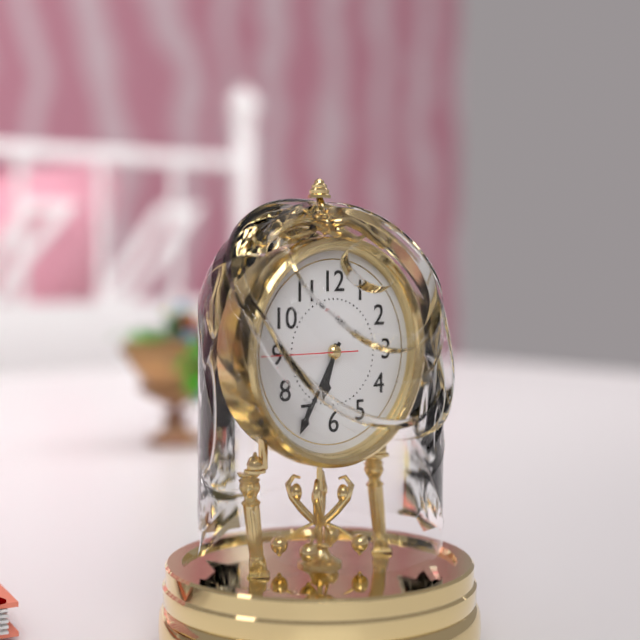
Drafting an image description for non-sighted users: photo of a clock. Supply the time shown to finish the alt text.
6:35:45
